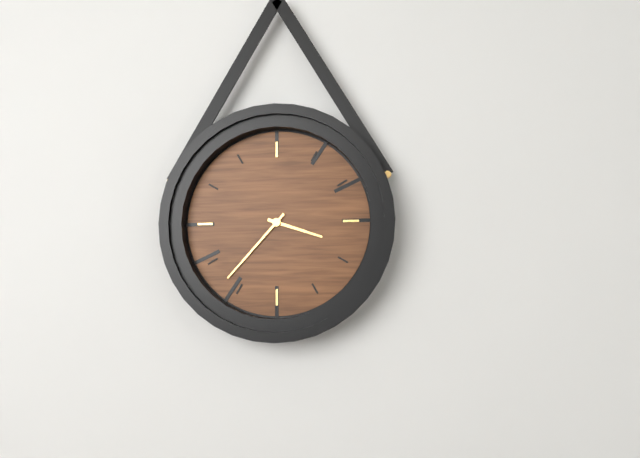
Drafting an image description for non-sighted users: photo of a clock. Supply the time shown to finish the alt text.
3:37
